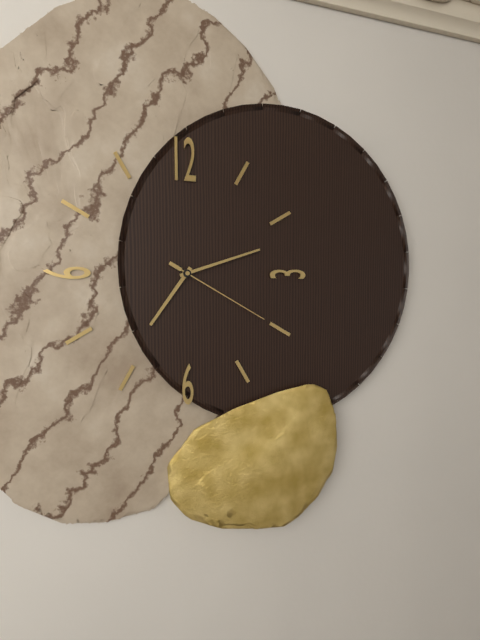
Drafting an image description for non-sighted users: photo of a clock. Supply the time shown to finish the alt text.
7:12:20
